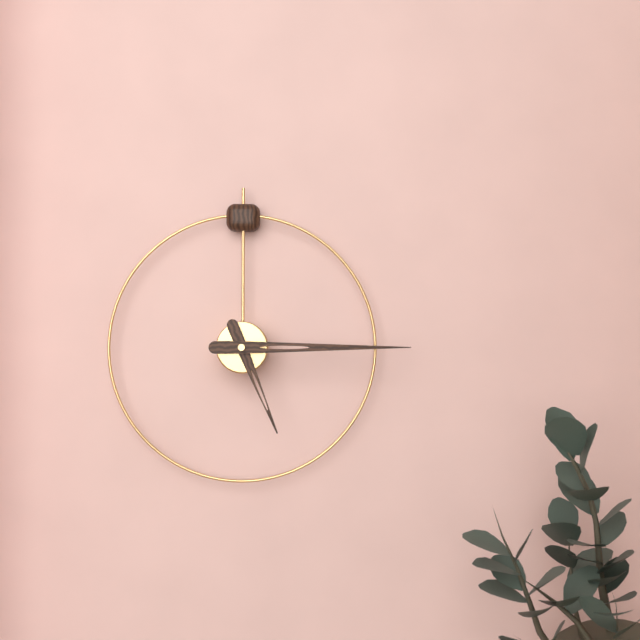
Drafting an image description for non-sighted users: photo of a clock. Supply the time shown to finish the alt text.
5:15
